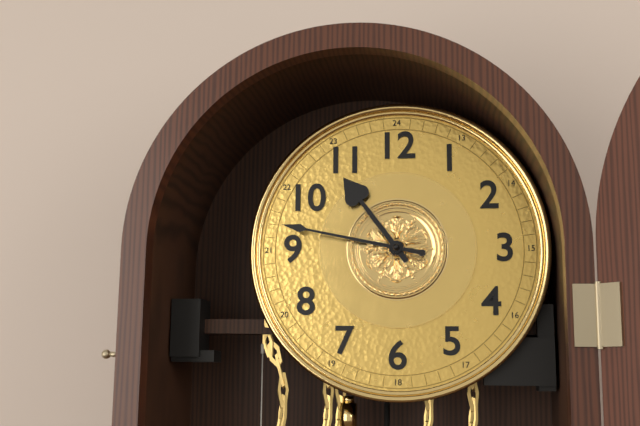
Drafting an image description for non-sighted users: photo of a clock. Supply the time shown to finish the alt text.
10:47
